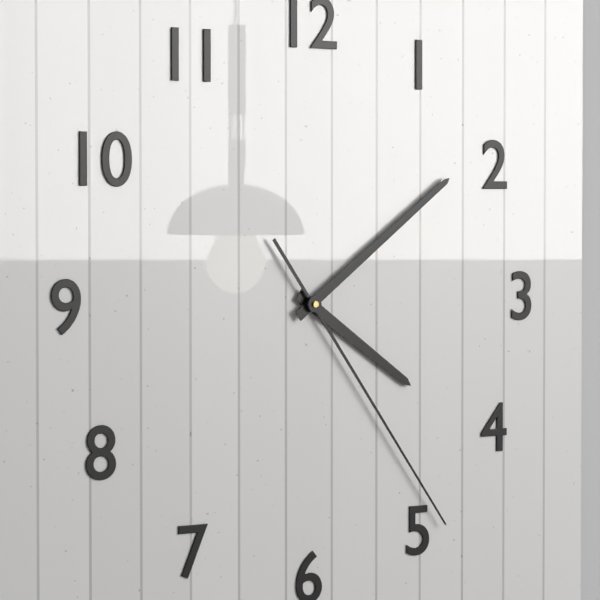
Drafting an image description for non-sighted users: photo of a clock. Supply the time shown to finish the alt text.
4:09:24
